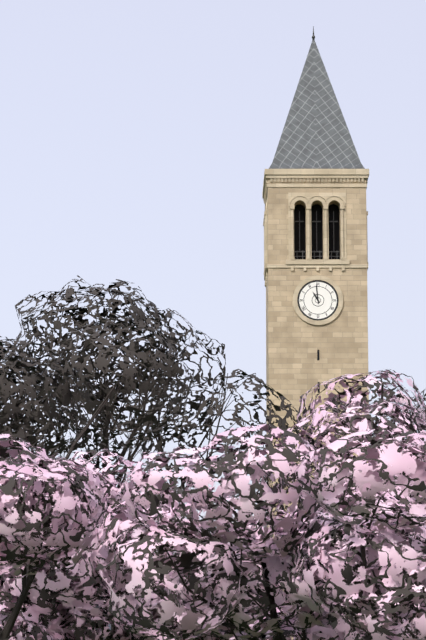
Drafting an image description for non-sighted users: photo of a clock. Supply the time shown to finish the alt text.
10:59
